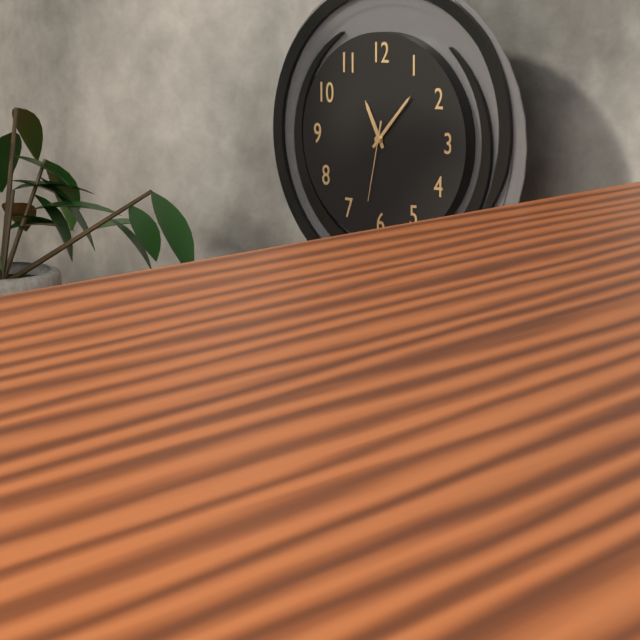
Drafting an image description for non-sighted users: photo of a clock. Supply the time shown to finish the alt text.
11:07:32
